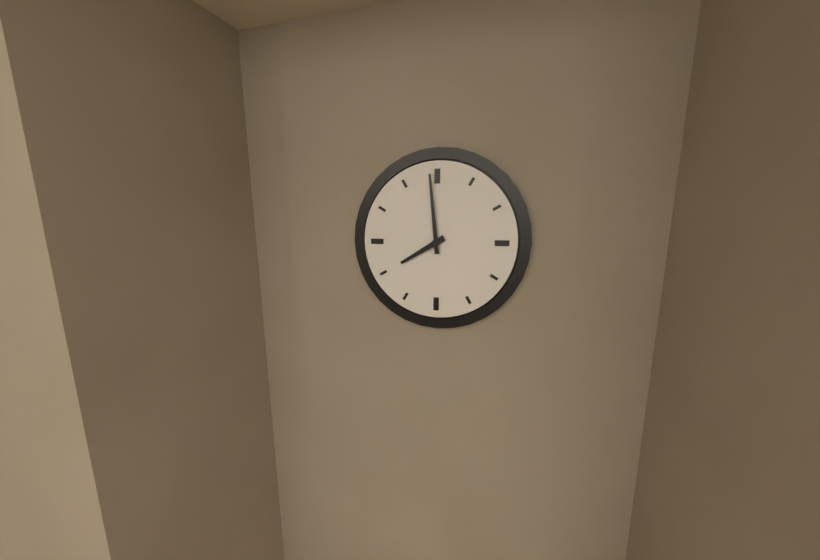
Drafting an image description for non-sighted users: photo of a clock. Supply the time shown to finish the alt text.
7:59
